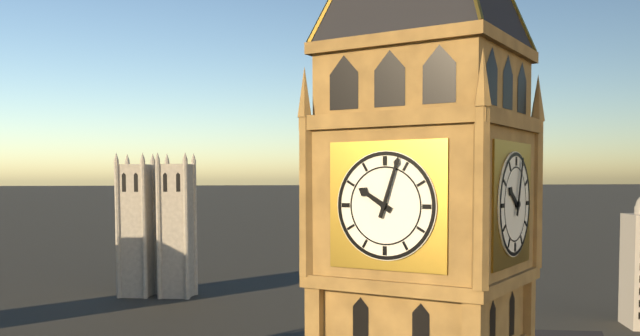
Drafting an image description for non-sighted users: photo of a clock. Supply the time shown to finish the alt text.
10:03
